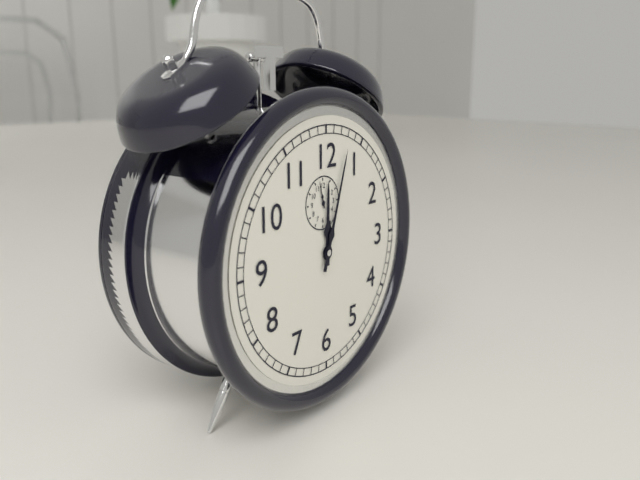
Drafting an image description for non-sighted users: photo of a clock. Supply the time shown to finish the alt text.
12:03
